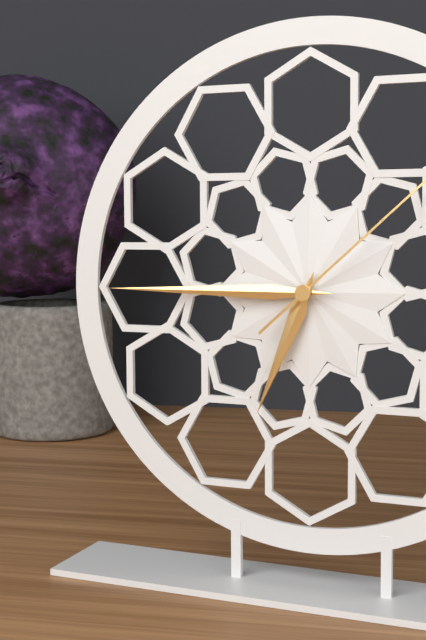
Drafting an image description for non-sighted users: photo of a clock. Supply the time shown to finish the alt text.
6:45
